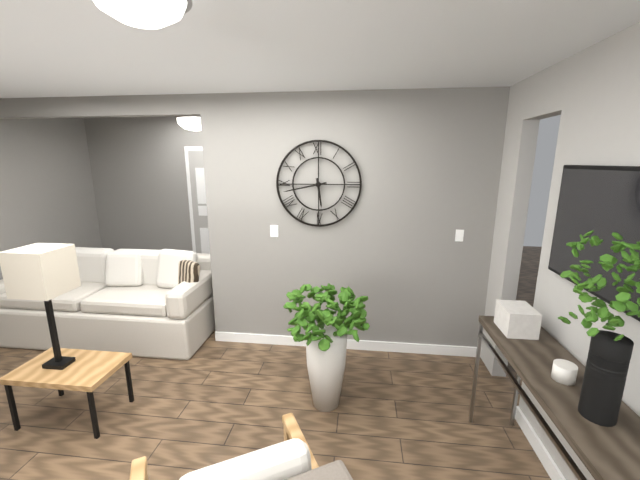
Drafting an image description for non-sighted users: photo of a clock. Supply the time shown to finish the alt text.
5:43
